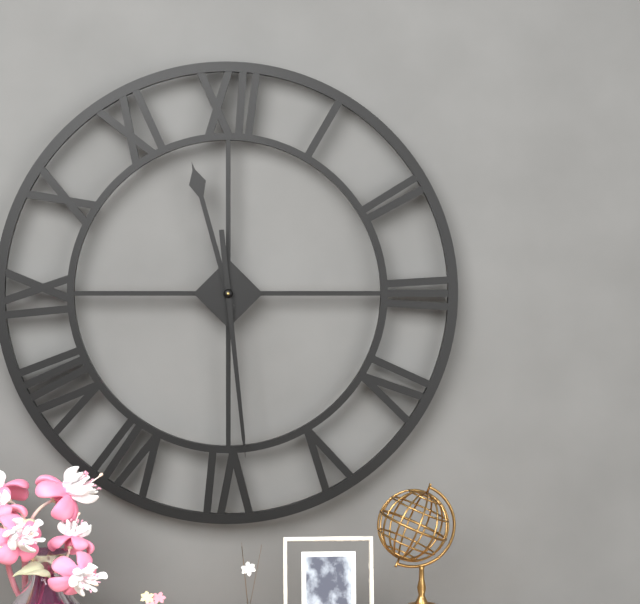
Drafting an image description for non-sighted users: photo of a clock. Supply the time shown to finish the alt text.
11:29
